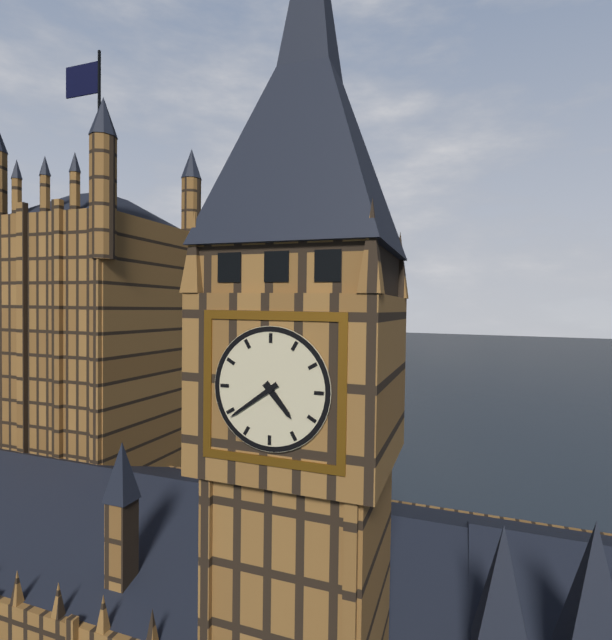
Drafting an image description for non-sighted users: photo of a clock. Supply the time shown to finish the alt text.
4:39
